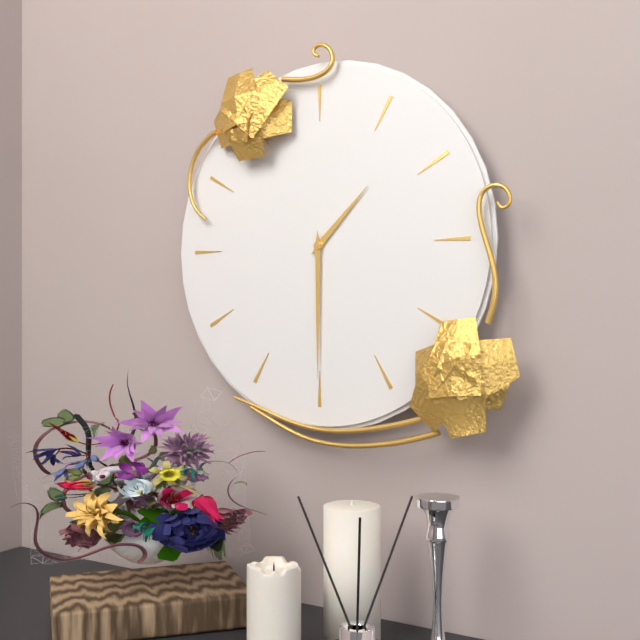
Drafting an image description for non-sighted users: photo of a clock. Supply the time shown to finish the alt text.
1:30
